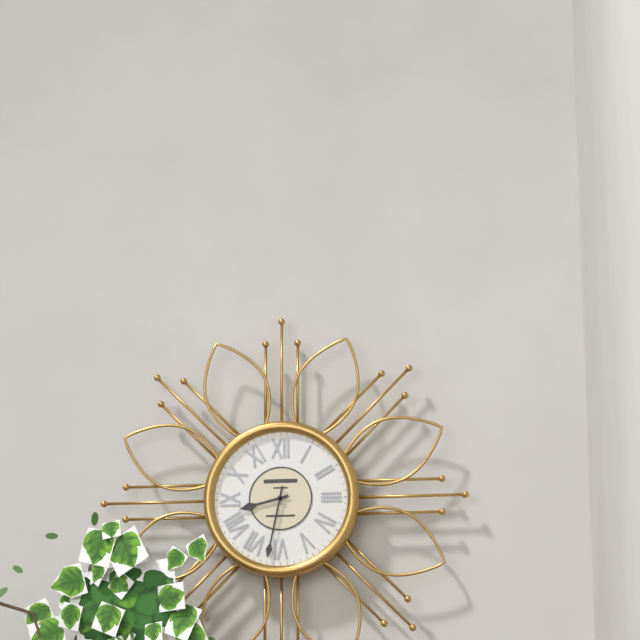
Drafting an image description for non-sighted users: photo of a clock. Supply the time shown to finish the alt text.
8:32
